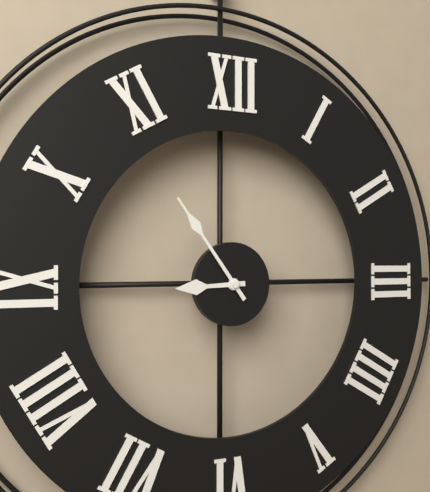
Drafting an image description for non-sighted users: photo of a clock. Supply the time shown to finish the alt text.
8:54
